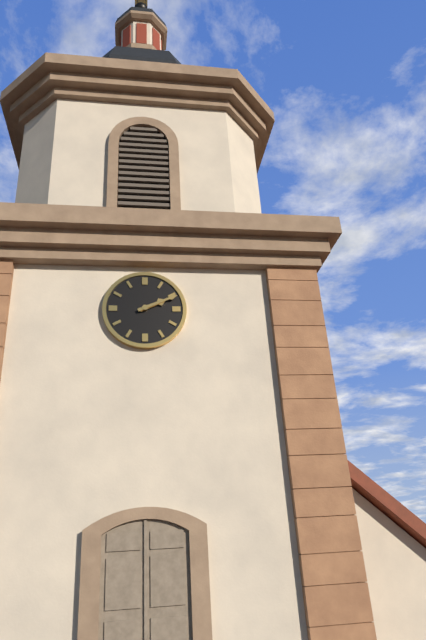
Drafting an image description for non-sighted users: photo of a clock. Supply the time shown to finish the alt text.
2:11
